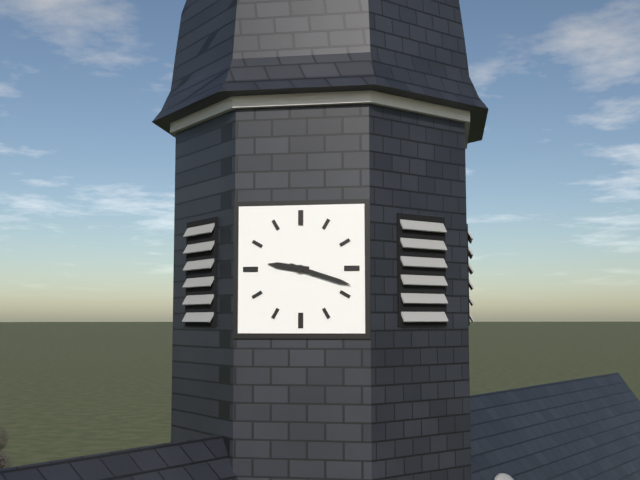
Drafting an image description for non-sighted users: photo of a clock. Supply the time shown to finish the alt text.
9:18
